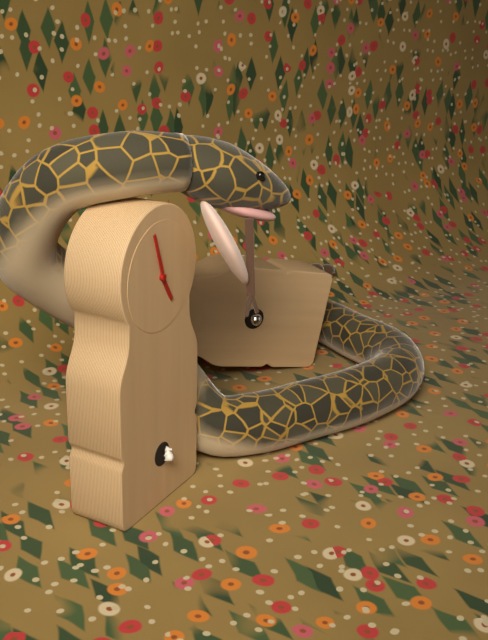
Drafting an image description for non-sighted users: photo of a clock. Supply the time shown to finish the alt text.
4:57
